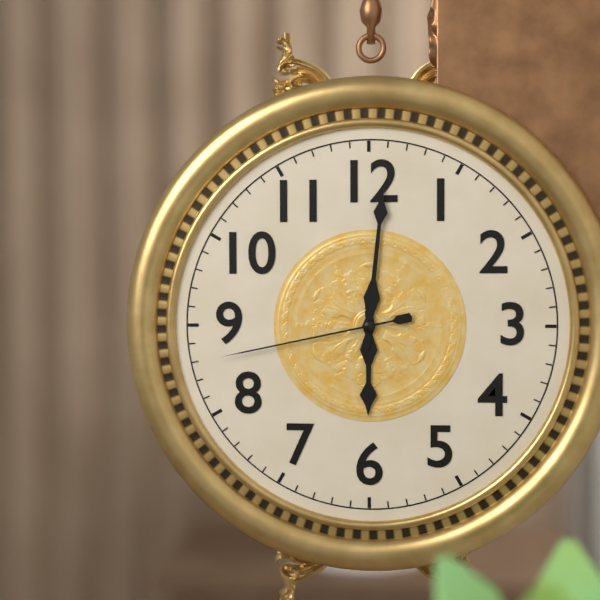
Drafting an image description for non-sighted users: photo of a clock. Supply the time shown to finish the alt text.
6:01:43
